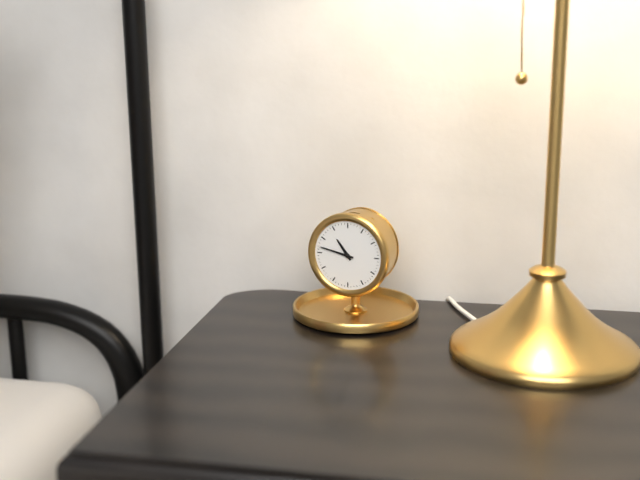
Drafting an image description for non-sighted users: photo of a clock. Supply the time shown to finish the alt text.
10:47
